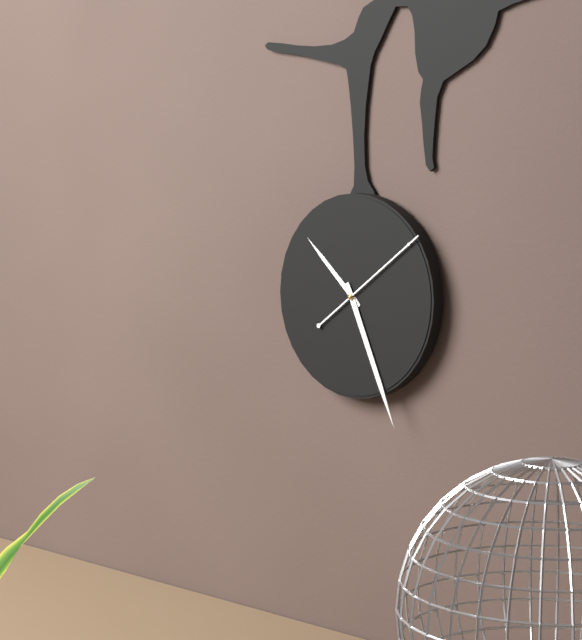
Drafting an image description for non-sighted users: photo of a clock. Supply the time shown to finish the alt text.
10:26:09
